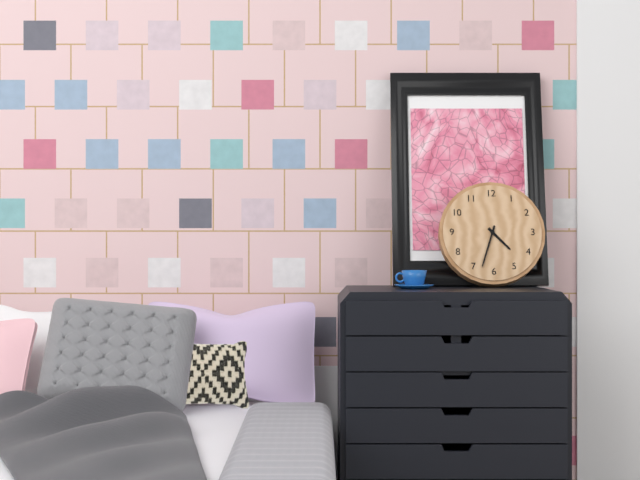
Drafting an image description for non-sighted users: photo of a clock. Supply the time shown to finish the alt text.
4:33
